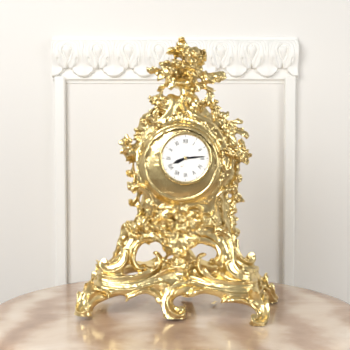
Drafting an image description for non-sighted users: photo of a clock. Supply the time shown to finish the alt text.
8:14
